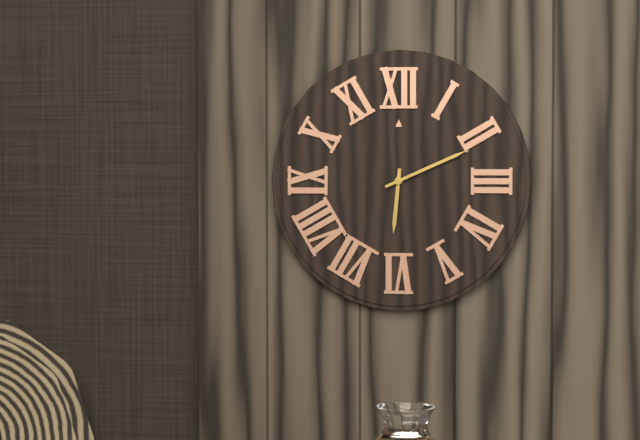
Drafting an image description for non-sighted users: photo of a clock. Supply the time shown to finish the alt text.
6:11
